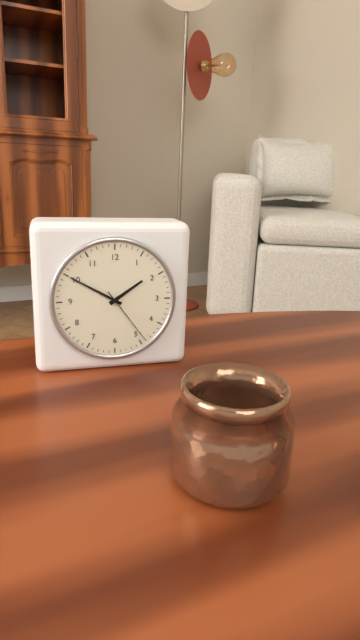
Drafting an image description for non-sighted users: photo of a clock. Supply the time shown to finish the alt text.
1:50:24
